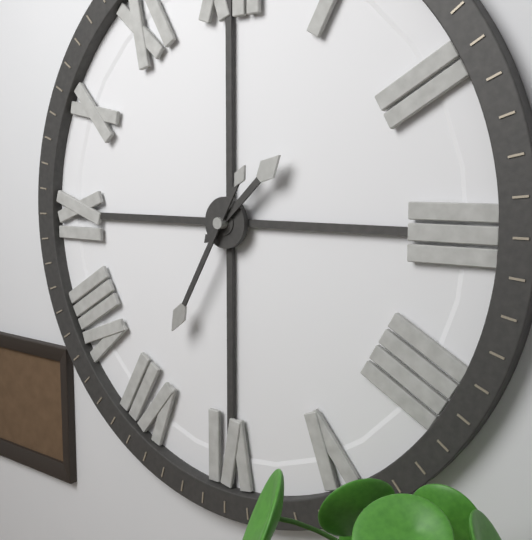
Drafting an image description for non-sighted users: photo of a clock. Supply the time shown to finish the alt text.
1:35
